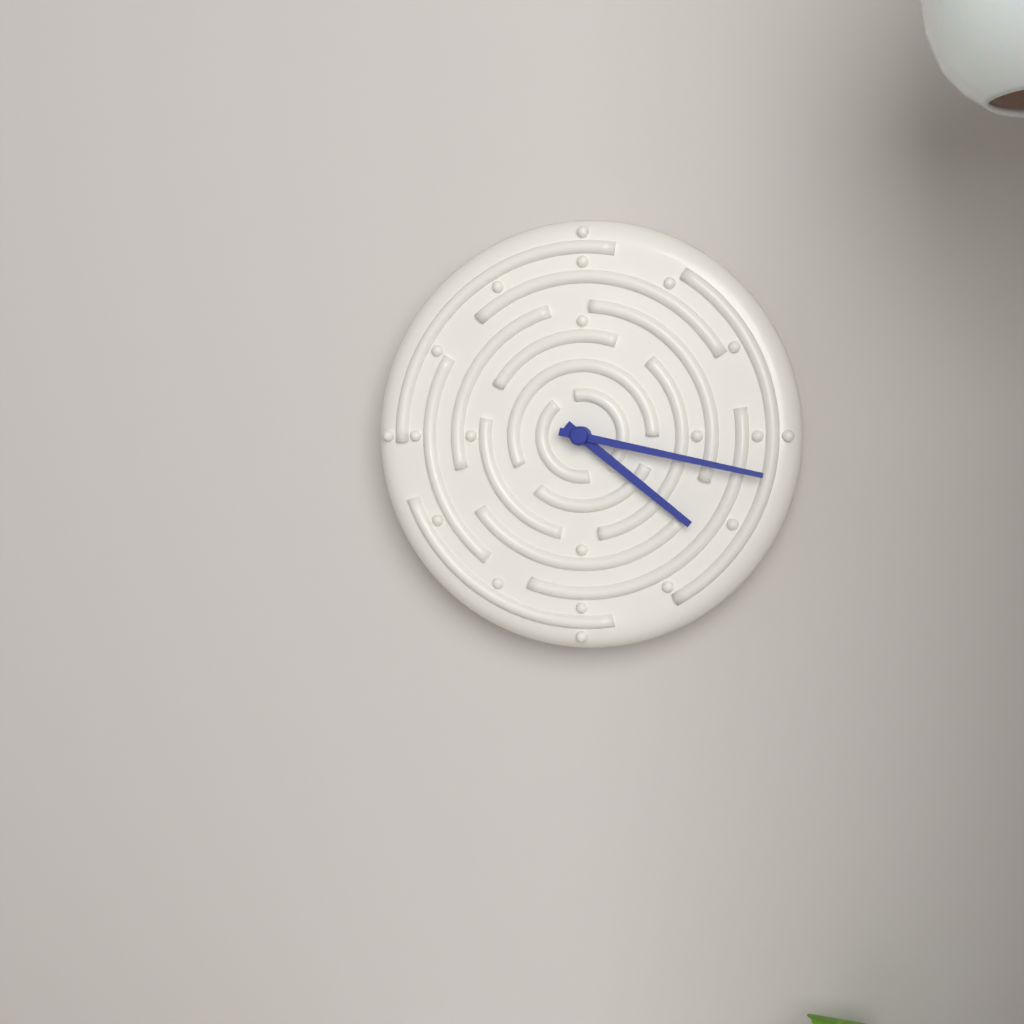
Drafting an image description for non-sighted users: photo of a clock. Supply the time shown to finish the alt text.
4:17
